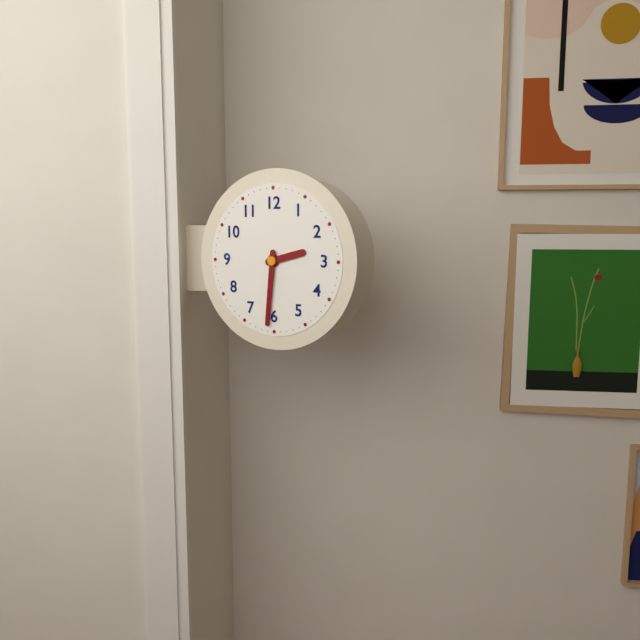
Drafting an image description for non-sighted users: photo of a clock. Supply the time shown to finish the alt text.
2:31
